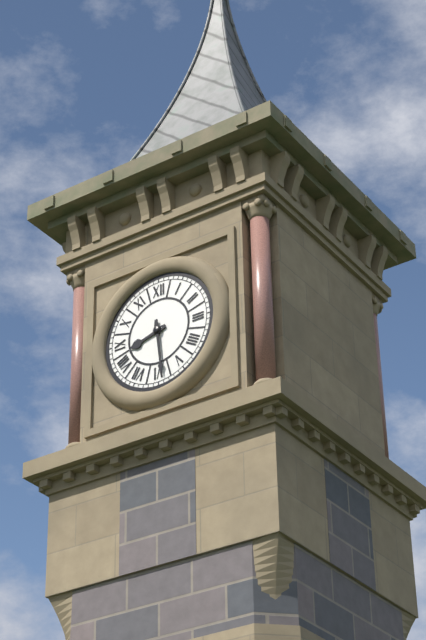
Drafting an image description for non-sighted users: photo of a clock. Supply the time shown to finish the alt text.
8:29
